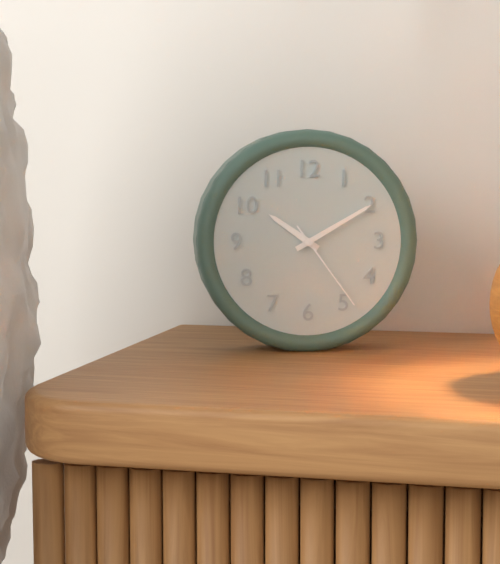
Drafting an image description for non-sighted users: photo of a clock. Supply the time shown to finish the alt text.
10:10:24
